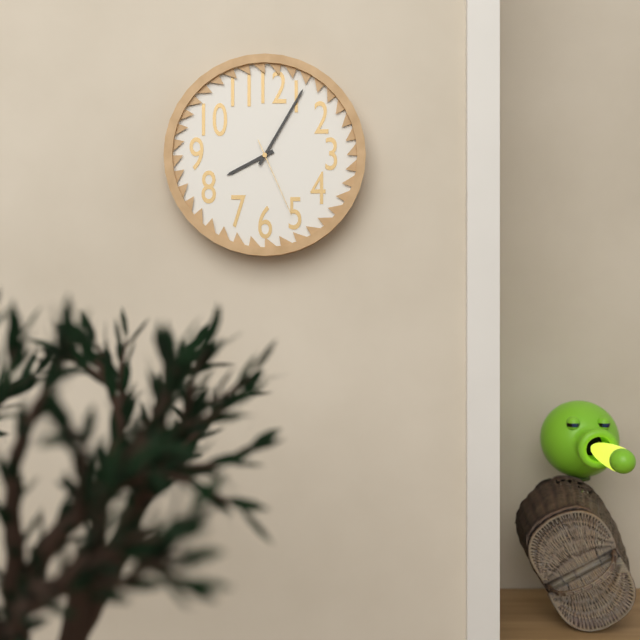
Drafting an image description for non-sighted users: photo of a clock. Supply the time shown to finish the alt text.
8:05:26
